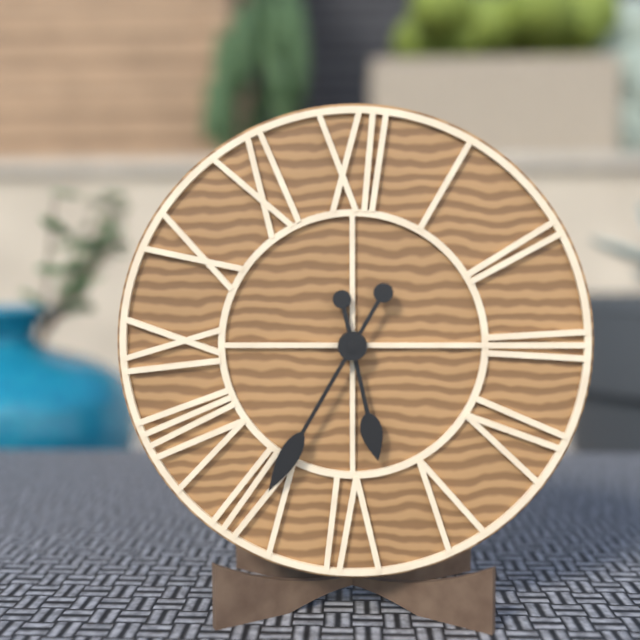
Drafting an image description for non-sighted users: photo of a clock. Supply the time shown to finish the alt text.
5:35
